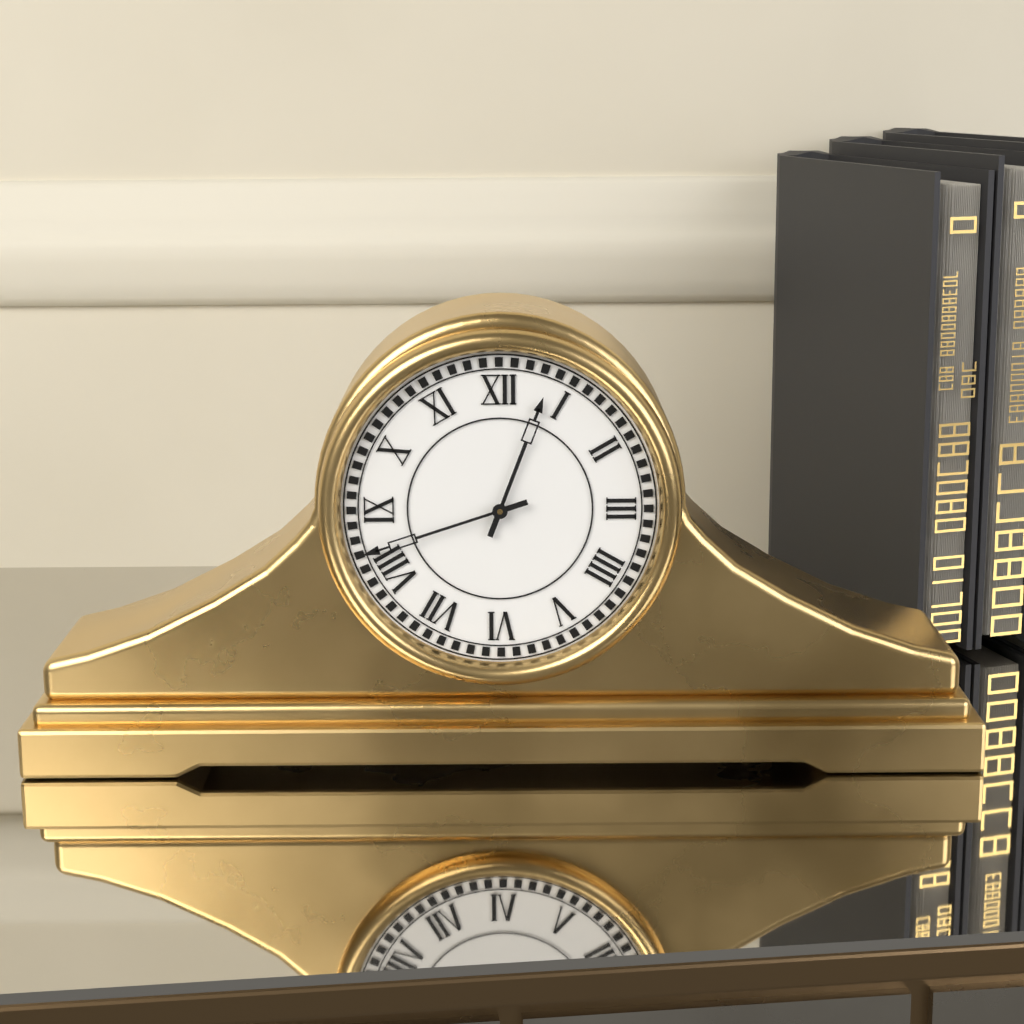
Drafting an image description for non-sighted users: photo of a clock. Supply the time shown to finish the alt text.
12:42
